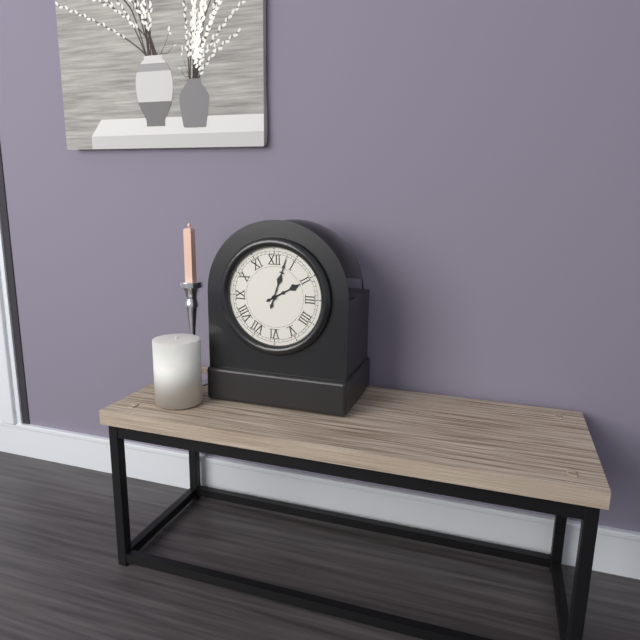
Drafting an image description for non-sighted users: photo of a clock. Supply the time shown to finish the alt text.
2:03
